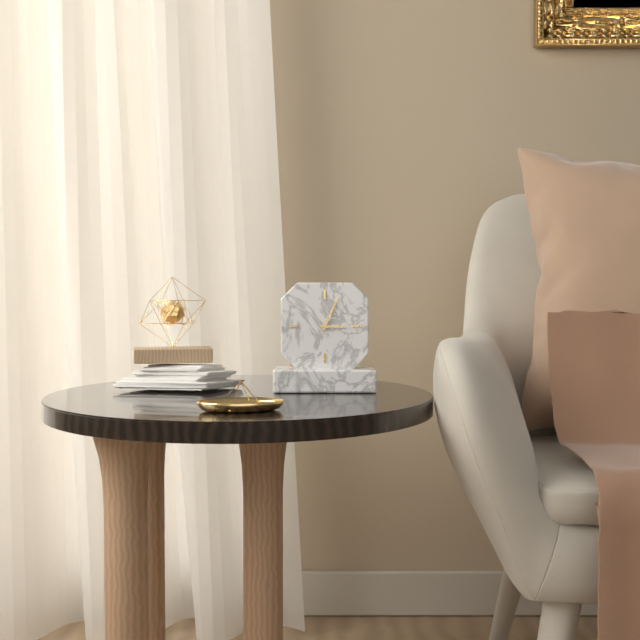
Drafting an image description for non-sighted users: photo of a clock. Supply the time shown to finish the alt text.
3:04
